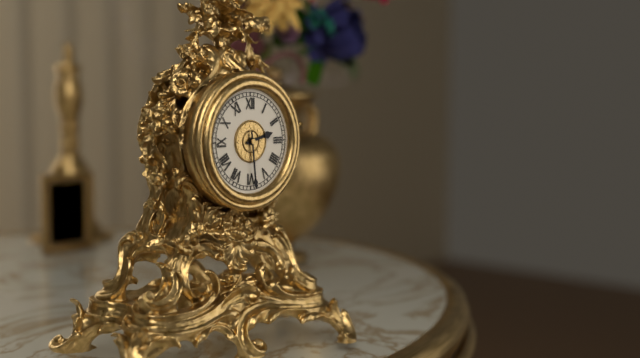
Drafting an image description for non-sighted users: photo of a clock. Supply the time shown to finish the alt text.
2:29
